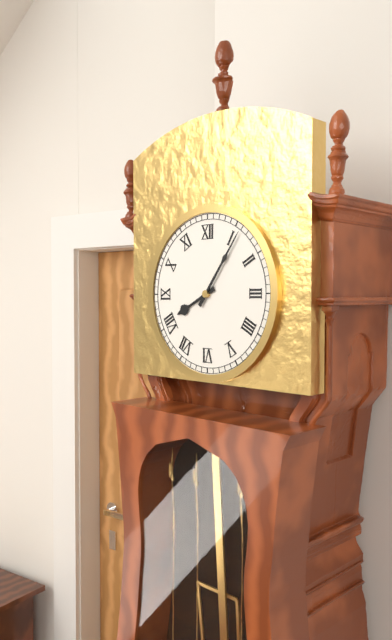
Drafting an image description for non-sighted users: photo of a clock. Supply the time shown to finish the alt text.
8:06
